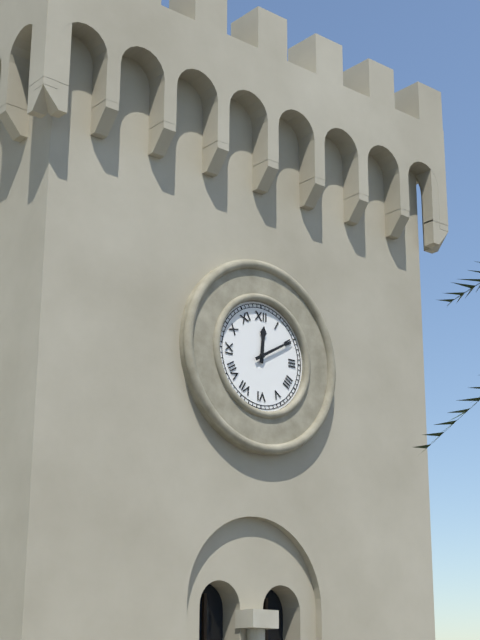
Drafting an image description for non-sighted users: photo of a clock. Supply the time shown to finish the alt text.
12:10
